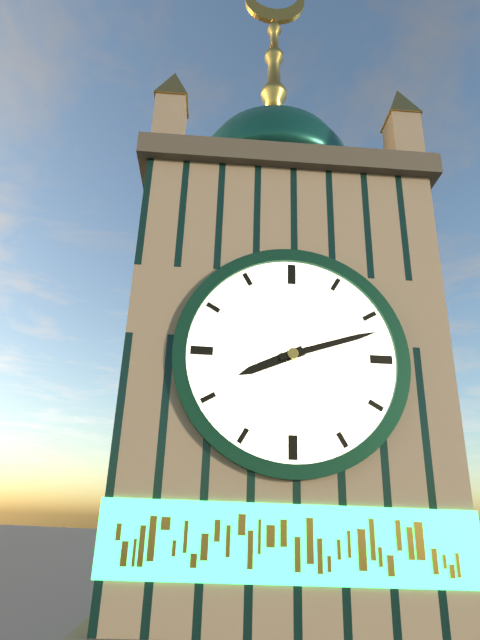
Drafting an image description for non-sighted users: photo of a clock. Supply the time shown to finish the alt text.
8:12
